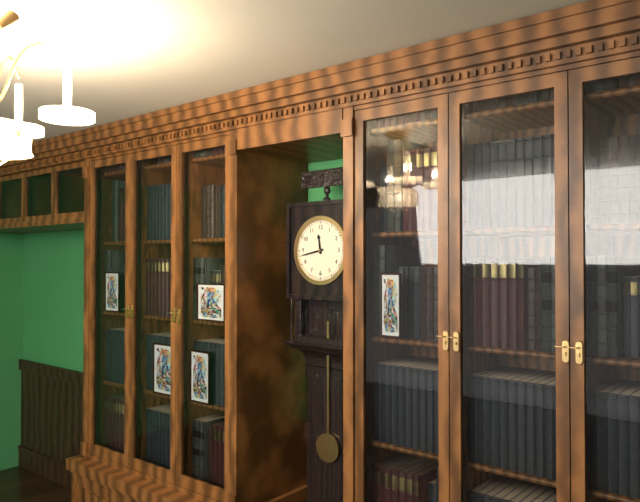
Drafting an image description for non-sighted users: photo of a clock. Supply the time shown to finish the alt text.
11:43
